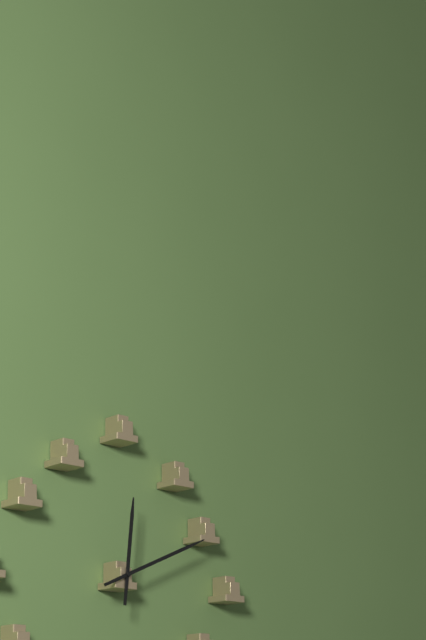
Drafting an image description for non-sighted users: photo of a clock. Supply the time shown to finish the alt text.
12:11
